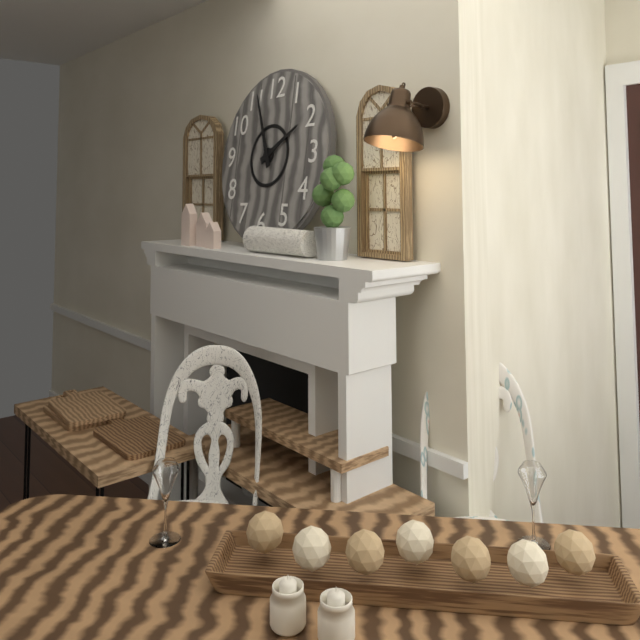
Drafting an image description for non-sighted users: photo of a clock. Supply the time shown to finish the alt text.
1:56
